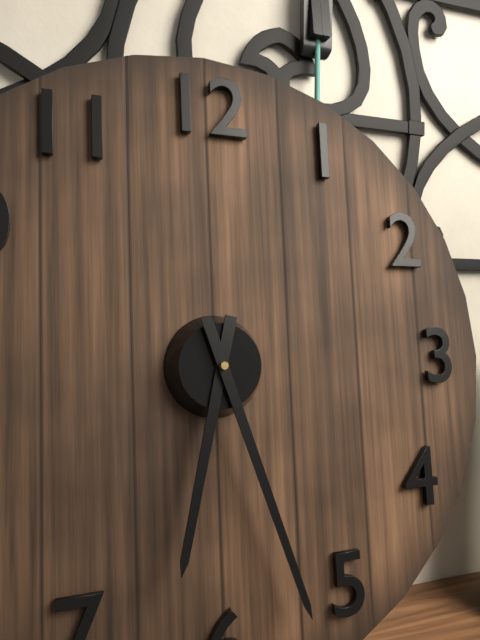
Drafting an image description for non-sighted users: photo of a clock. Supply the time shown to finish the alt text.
6:27
